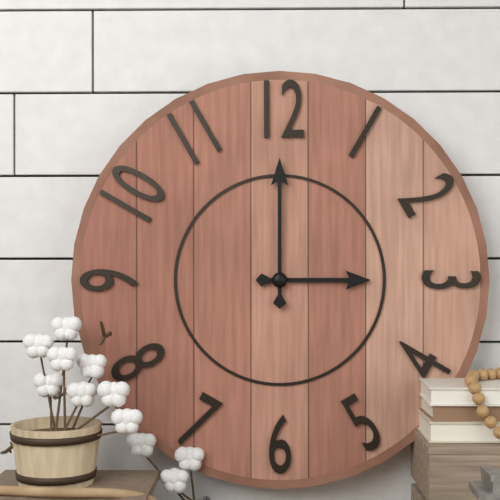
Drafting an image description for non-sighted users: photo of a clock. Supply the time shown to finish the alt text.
3:00
